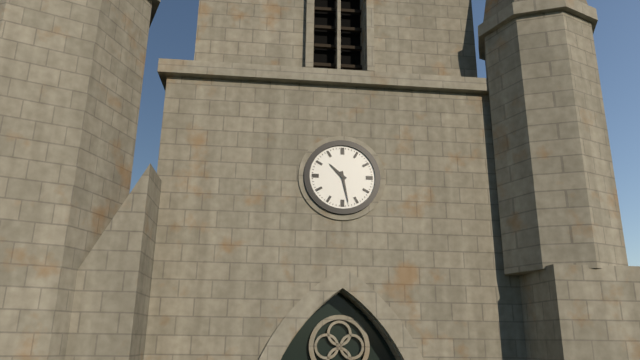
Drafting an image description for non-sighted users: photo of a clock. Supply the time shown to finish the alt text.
10:28
